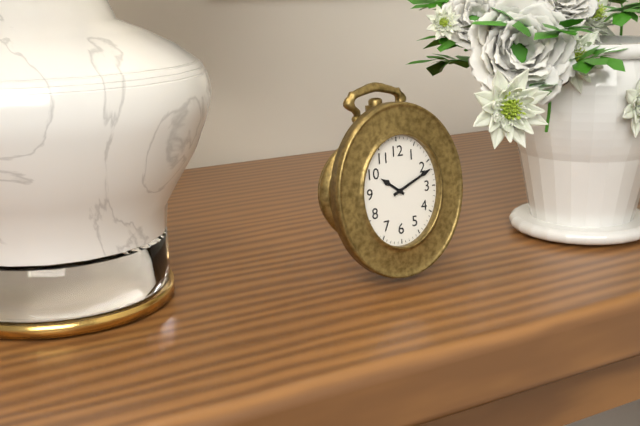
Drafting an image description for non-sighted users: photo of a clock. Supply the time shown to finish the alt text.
10:11
